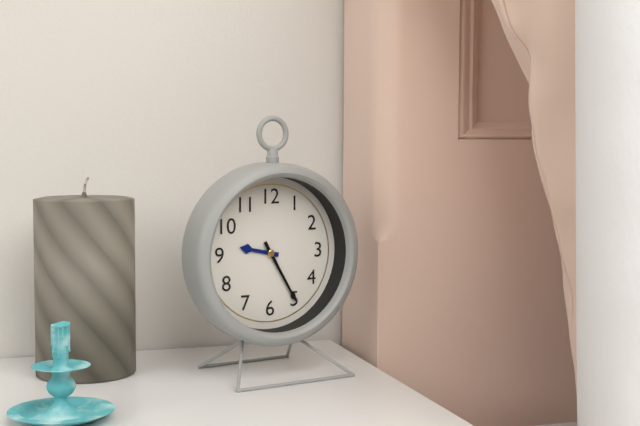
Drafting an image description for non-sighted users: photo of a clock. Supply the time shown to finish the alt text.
9:25
